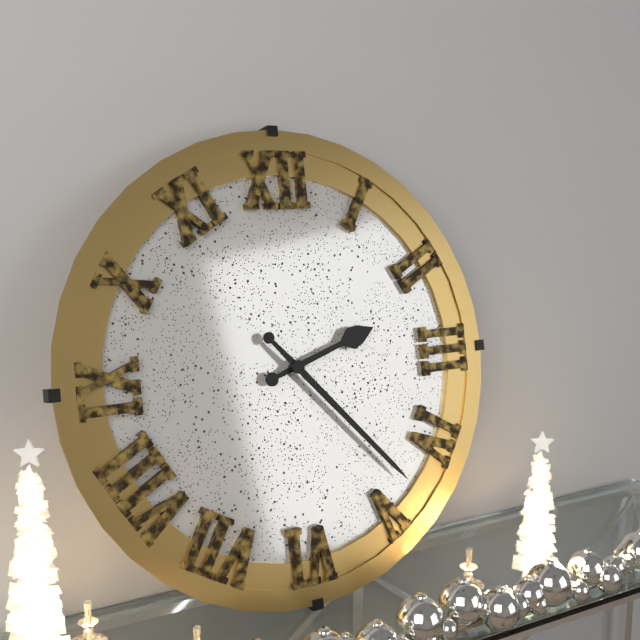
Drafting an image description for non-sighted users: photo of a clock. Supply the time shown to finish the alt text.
2:23
